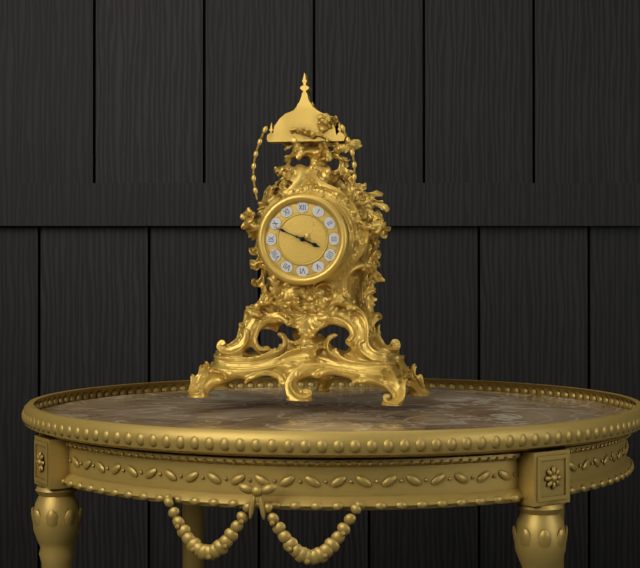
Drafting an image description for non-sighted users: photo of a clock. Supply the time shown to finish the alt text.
3:49
